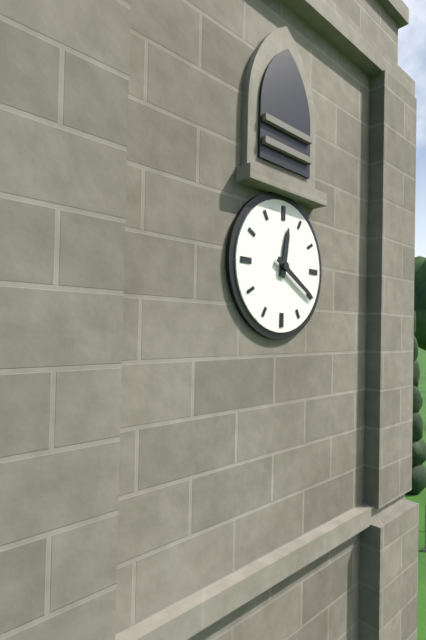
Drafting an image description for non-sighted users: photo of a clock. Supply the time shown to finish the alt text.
12:20
